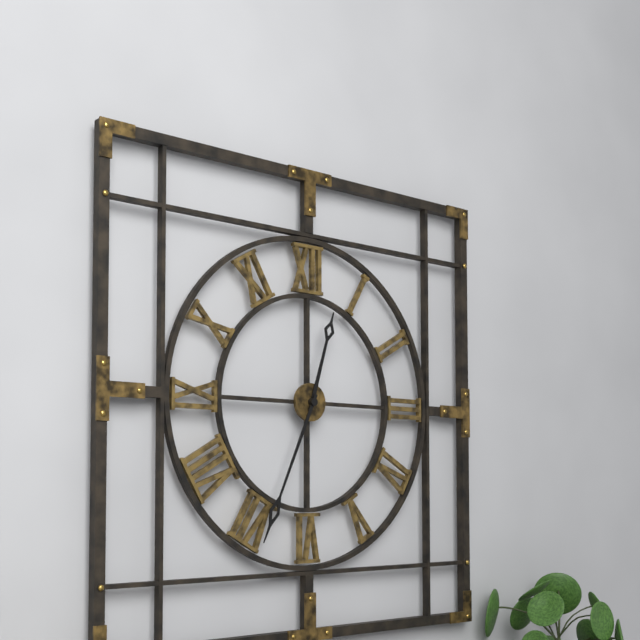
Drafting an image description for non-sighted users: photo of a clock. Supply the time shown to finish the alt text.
12:34
